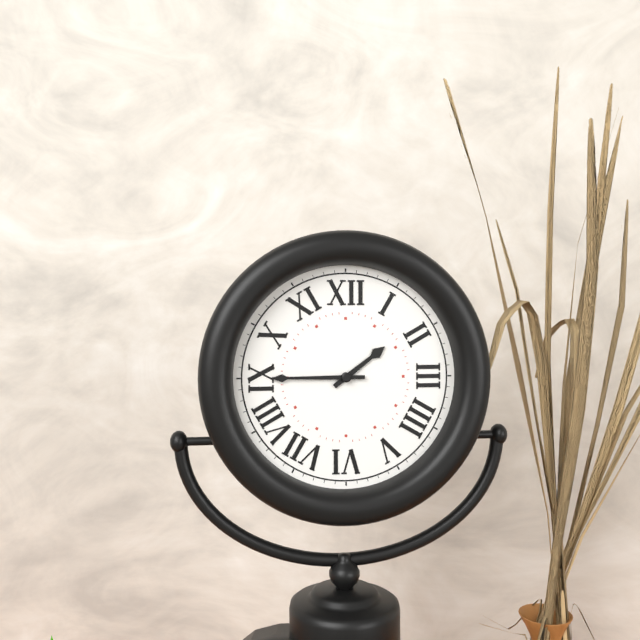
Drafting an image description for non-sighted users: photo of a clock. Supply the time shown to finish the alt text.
1:45
